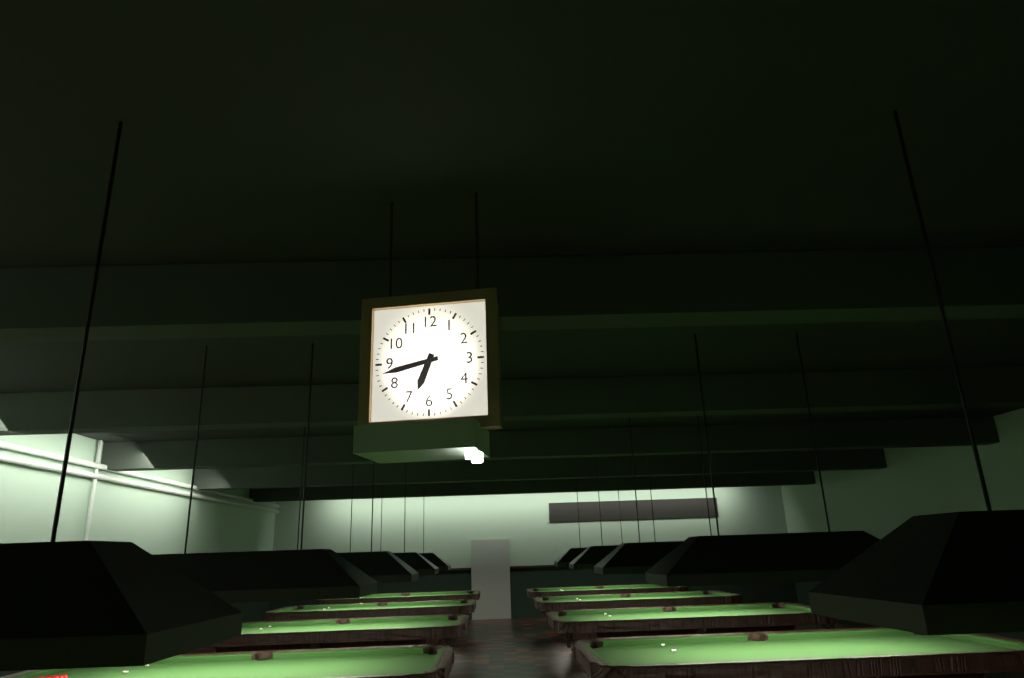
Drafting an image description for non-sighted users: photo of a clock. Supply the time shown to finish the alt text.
6:43
